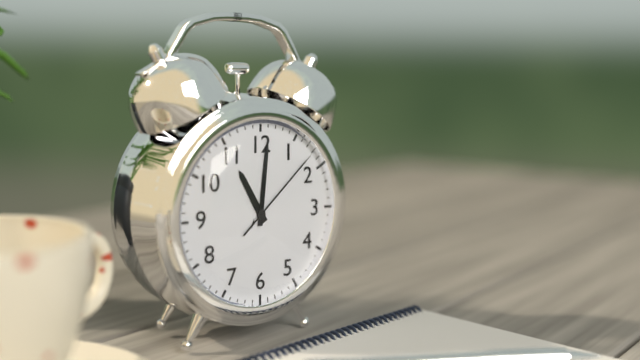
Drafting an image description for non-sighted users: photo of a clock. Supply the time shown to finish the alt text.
11:01:08
